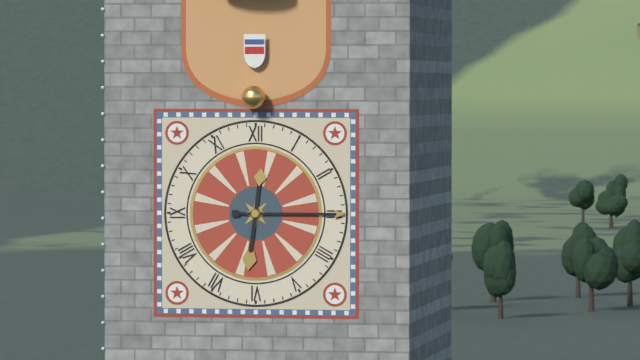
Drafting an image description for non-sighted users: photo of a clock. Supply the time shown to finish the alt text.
6:15
